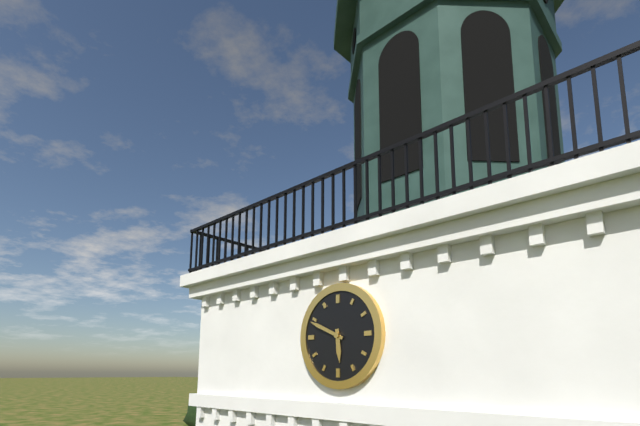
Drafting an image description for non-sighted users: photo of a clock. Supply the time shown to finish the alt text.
5:49
